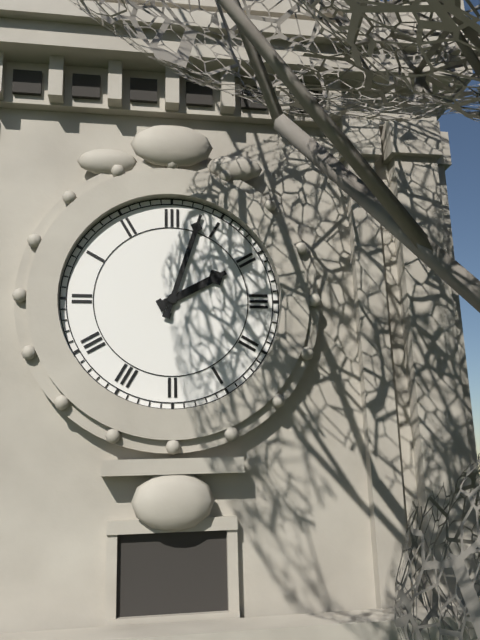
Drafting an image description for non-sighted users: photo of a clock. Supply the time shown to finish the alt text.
2:03
